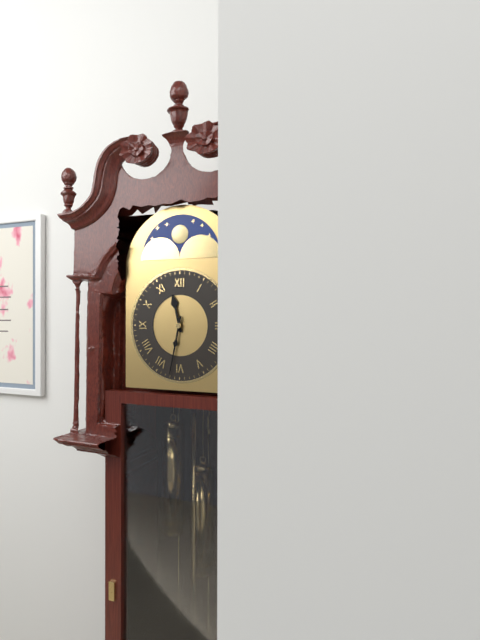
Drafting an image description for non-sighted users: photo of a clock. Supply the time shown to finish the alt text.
11:32
